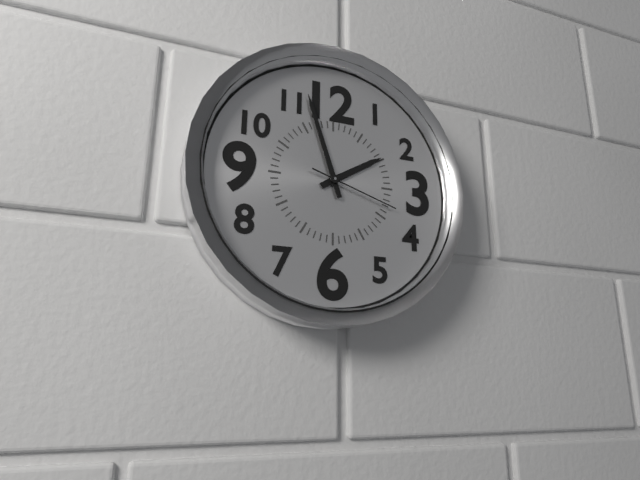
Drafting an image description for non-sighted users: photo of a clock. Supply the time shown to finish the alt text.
1:57:18
